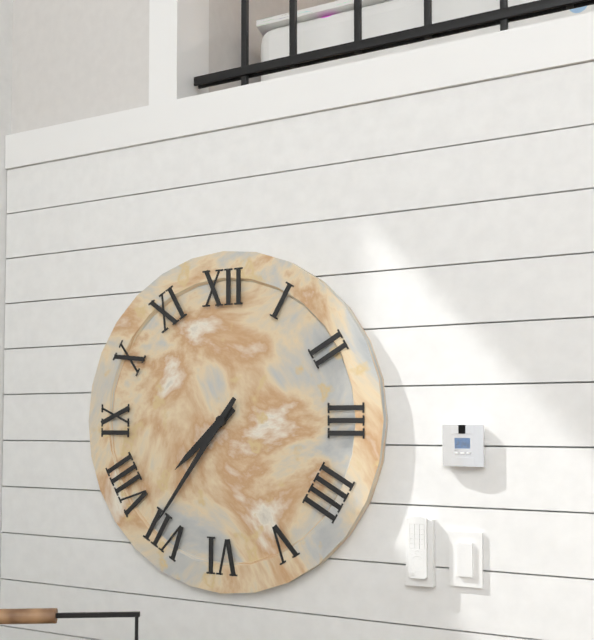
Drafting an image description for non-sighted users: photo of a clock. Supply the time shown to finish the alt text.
7:36
